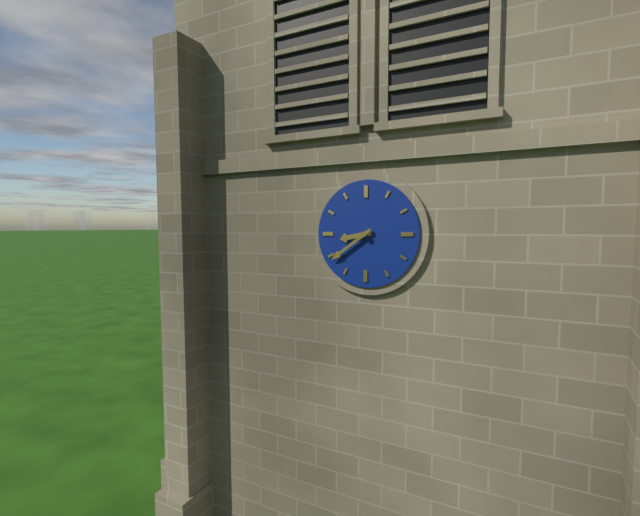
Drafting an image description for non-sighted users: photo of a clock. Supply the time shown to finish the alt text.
8:39
